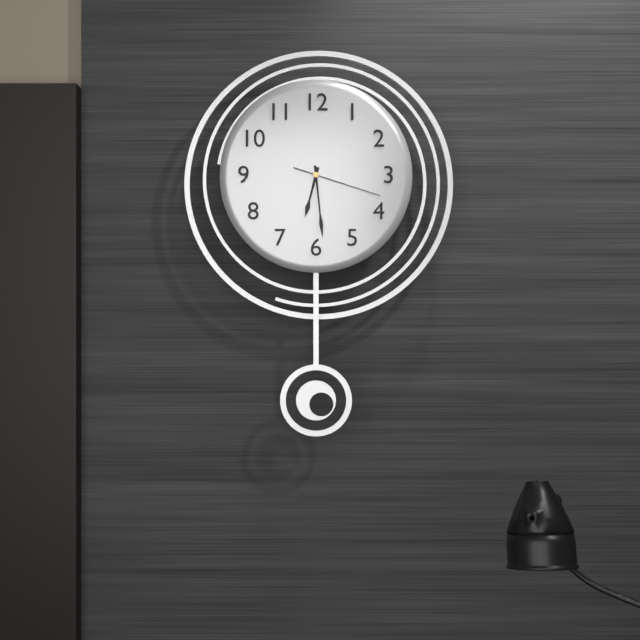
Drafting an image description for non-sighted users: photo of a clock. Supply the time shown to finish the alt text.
6:29:18
